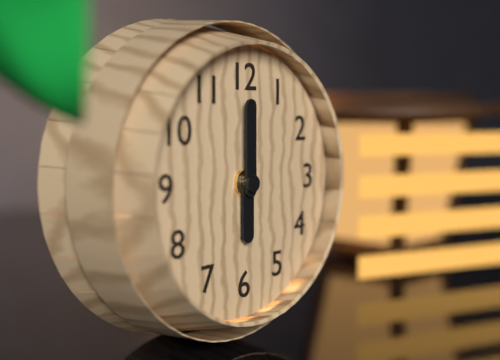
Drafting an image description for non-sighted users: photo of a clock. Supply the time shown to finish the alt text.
6:00
